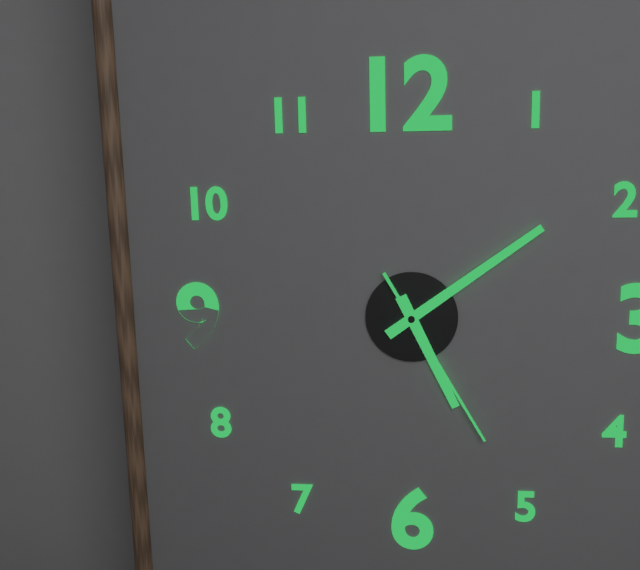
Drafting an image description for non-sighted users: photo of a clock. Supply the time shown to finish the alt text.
5:09:25
